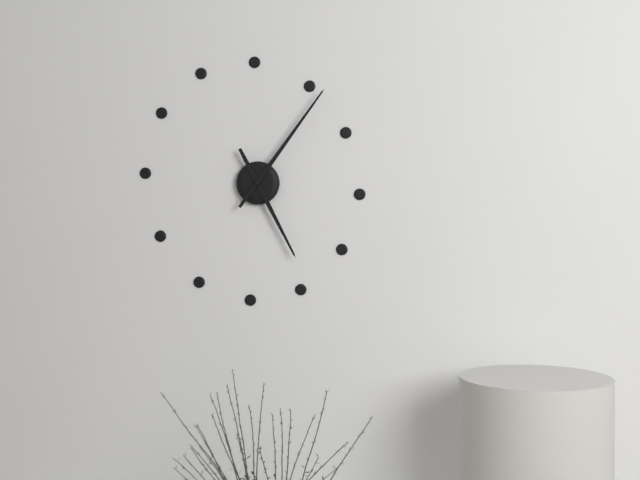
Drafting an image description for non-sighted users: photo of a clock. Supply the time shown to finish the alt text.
5:06
